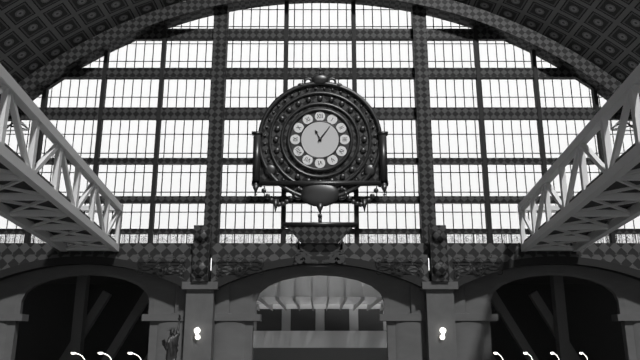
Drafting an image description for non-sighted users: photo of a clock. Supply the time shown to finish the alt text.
11:06
